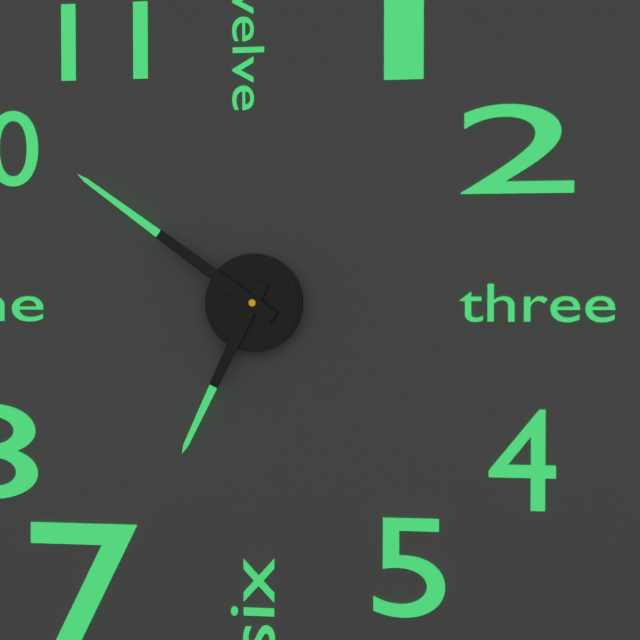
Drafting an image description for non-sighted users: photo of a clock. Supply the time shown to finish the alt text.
6:51
